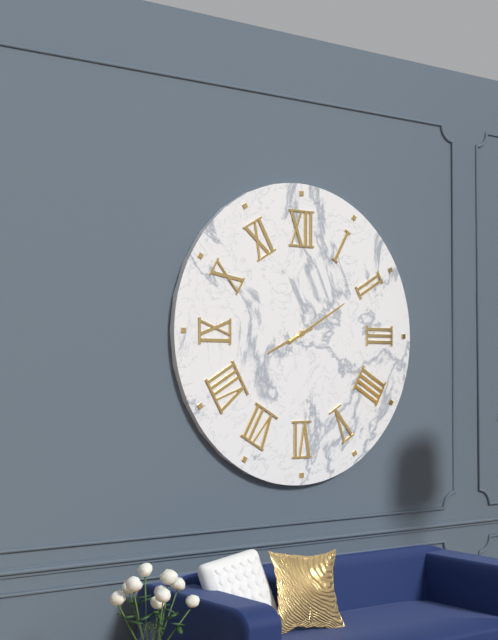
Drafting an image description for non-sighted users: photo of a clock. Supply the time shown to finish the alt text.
8:10
